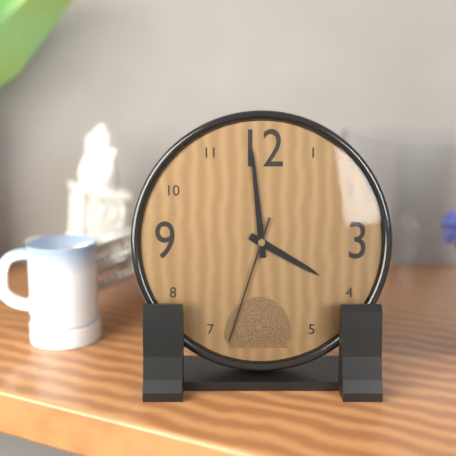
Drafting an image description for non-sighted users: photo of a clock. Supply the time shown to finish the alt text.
3:59:33
